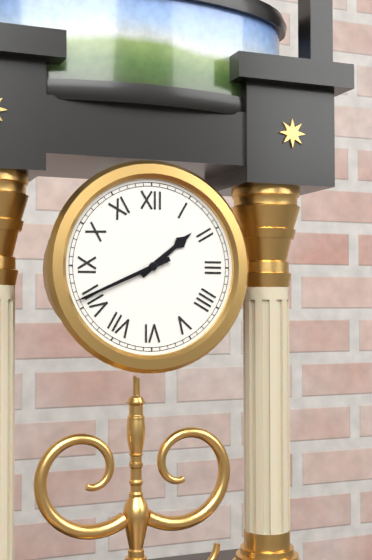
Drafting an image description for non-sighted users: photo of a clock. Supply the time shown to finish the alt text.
1:41
